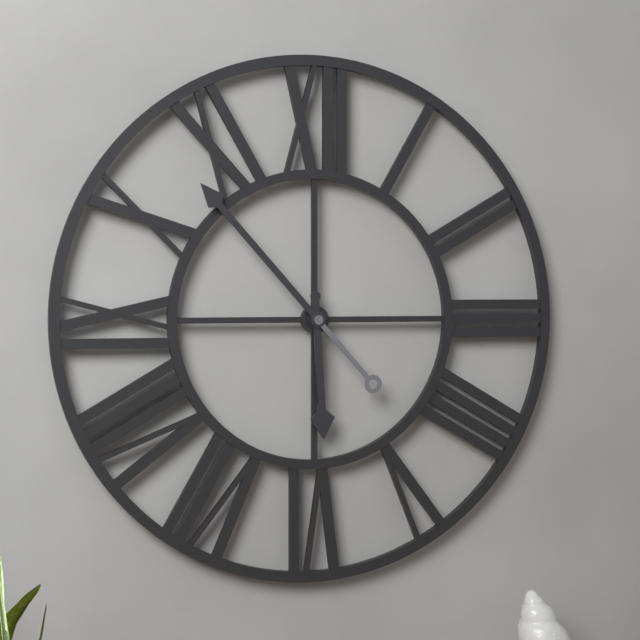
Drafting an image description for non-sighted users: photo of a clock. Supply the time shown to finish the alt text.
5:53
